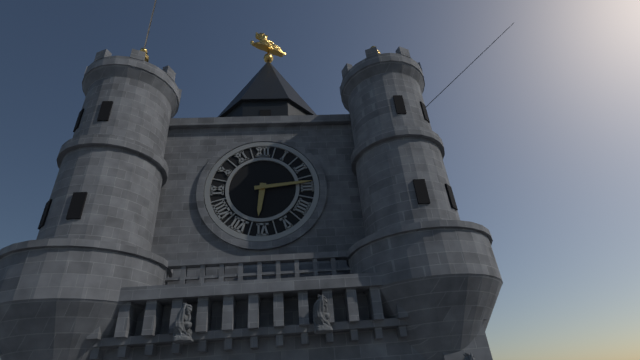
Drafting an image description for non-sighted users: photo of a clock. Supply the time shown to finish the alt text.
6:14
